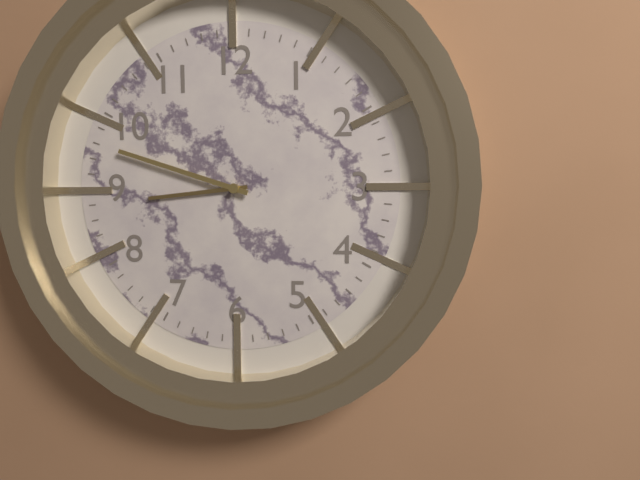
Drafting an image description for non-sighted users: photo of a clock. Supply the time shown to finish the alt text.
8:48
